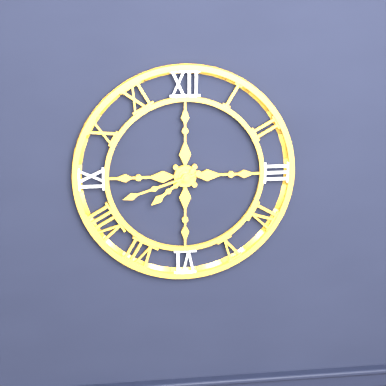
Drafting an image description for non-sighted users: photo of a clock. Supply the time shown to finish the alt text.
7:42
